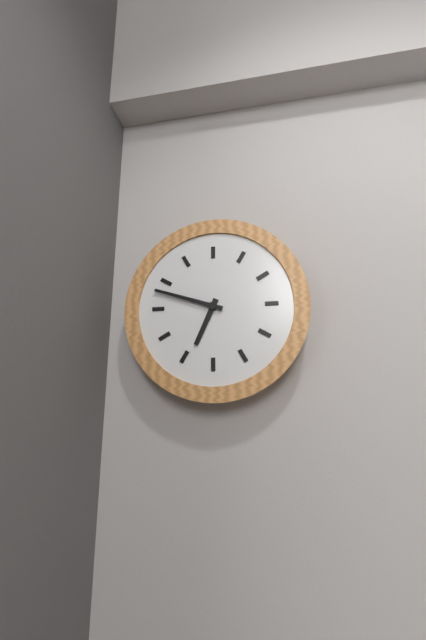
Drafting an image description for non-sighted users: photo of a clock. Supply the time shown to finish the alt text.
6:48
